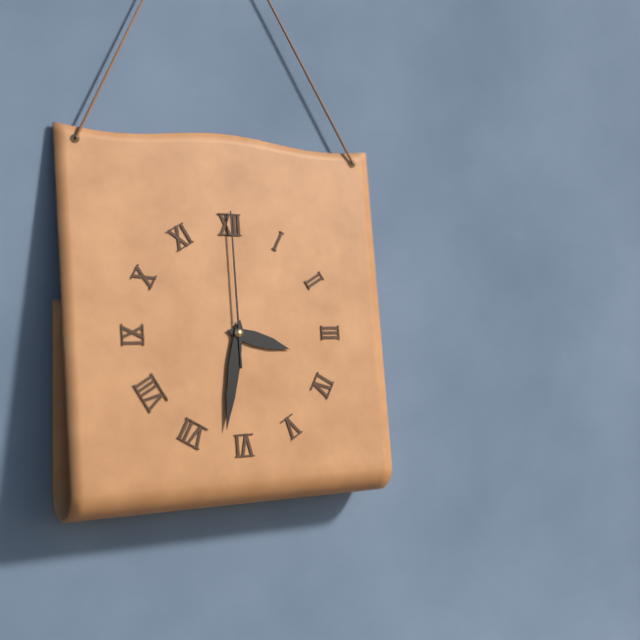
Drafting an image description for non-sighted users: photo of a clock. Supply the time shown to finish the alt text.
3:32:00
